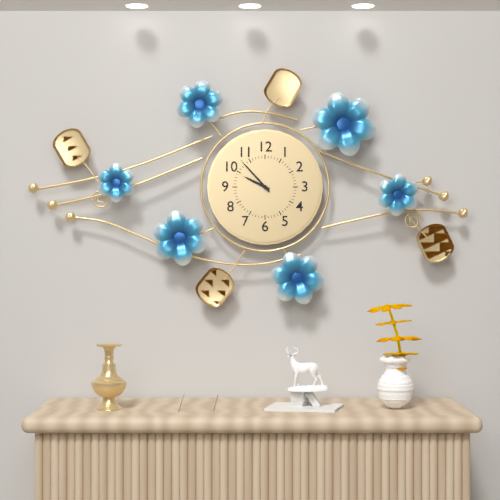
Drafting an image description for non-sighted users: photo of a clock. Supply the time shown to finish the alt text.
9:53
